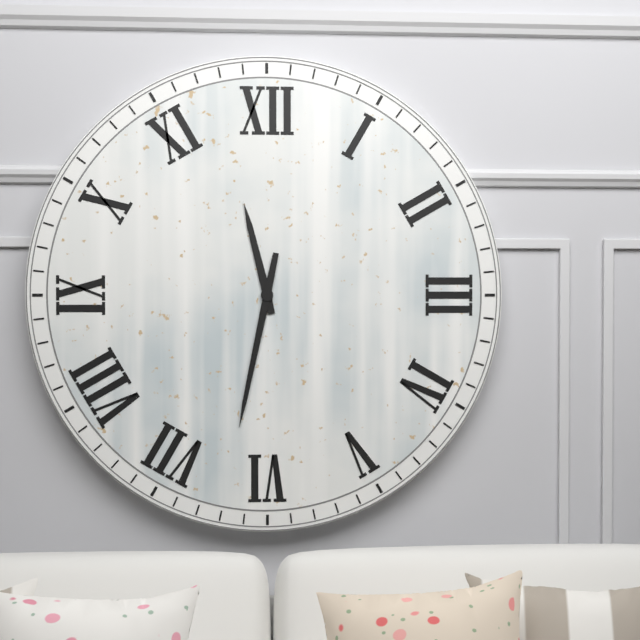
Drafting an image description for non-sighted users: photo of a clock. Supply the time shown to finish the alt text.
11:32
